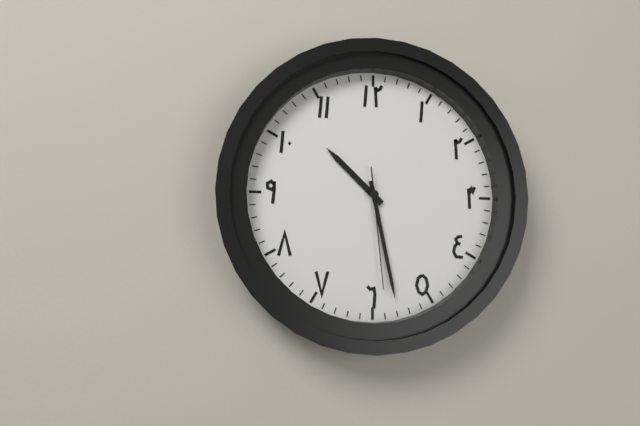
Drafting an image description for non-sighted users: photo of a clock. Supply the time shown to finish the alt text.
10:28:29
